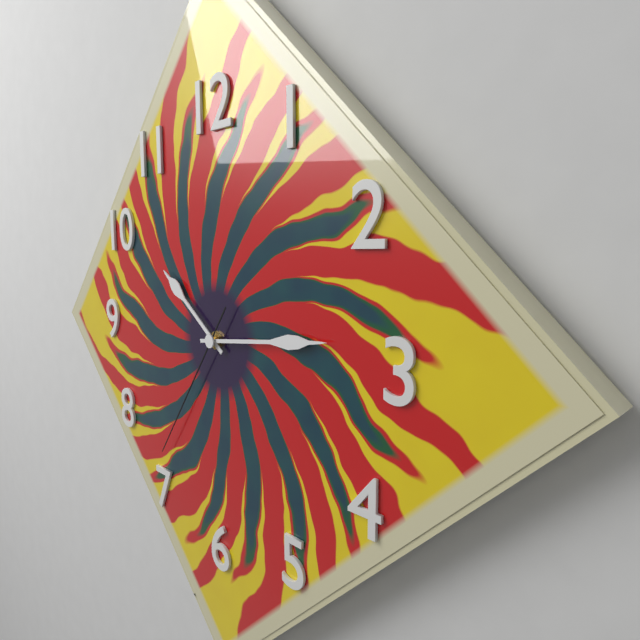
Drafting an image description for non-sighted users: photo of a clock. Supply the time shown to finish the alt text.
10:14:36
